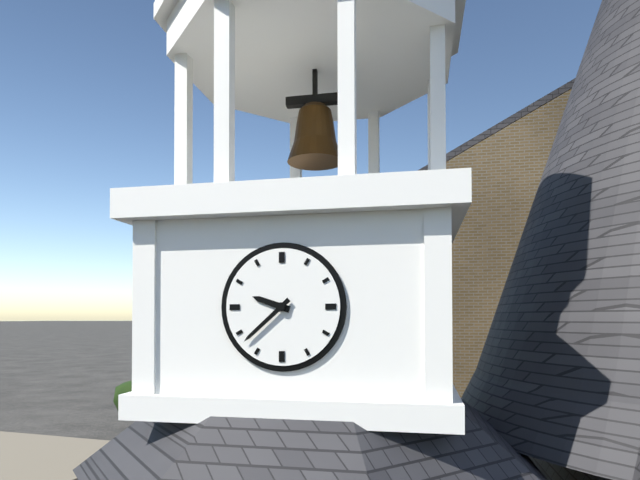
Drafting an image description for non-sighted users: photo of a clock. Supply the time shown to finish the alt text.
9:38
